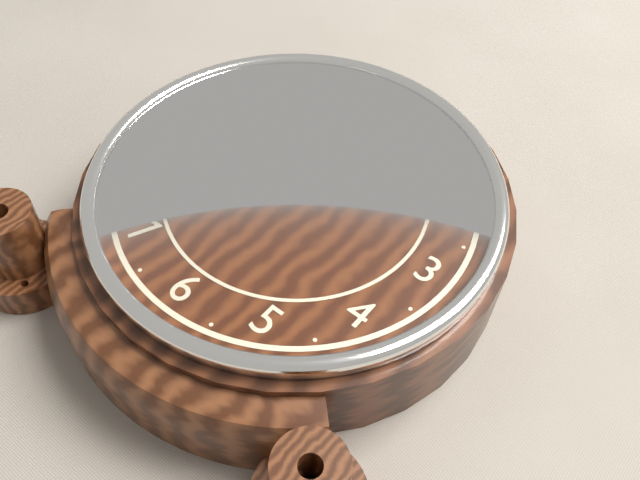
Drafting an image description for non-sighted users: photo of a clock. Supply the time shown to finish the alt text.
8:36
